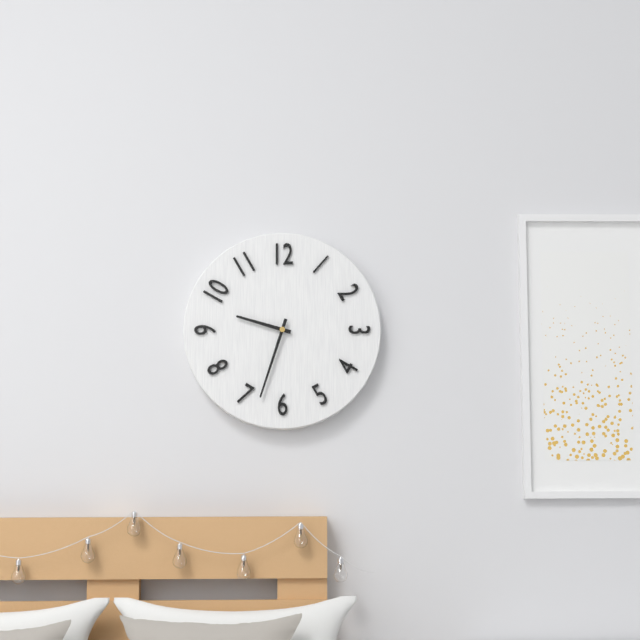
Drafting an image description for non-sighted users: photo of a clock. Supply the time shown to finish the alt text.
9:33
